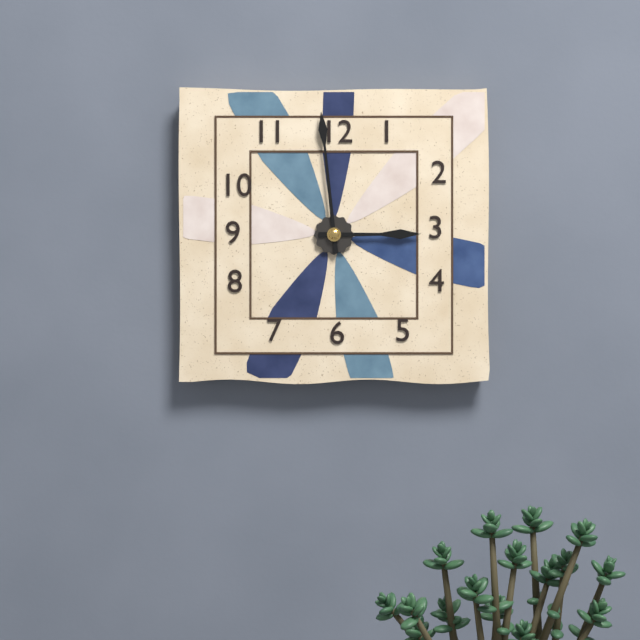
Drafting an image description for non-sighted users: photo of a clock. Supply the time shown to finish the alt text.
2:59
